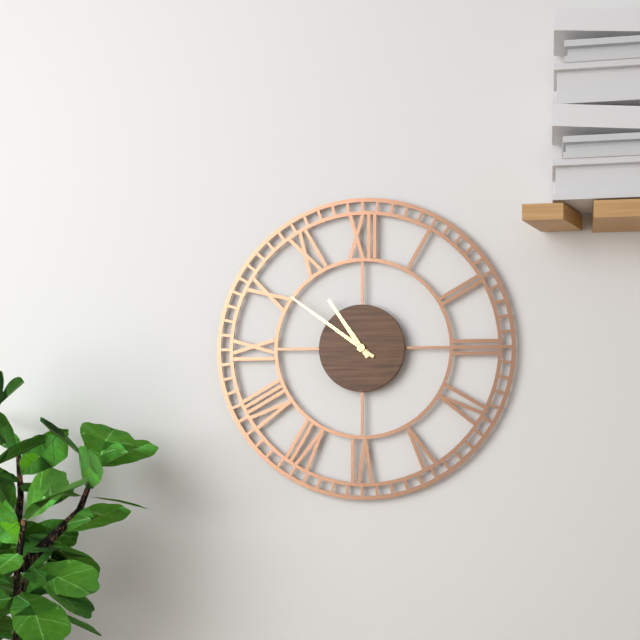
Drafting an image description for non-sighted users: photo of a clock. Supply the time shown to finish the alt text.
10:51
